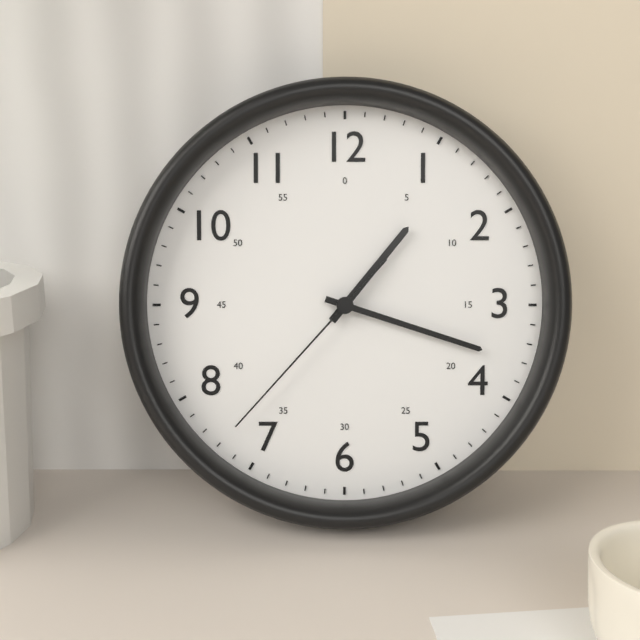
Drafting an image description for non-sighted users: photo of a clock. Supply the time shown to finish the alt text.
1:18:37
